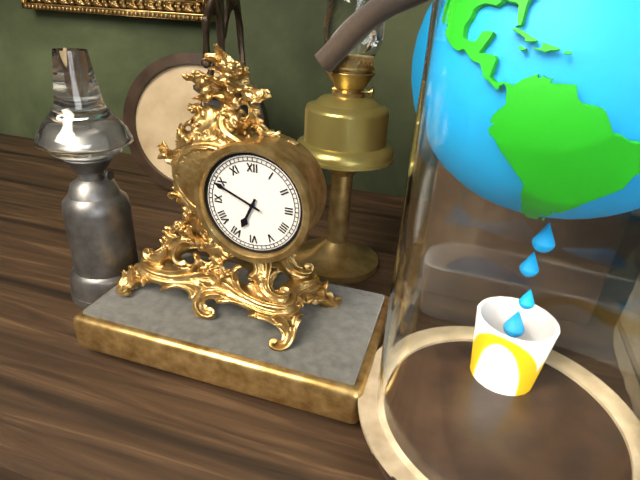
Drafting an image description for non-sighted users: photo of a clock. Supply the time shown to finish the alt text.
6:49
